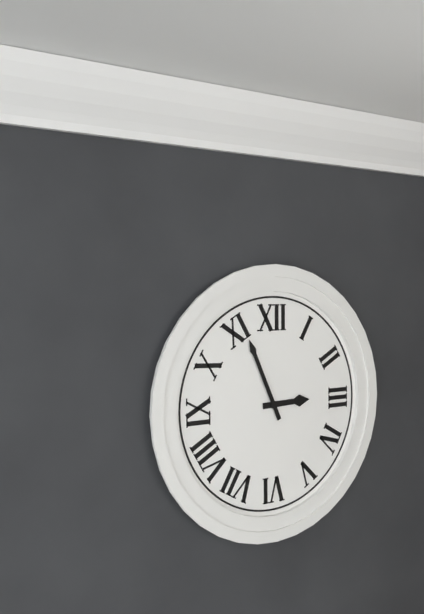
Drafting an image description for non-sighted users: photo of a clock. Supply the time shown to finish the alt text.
2:56
